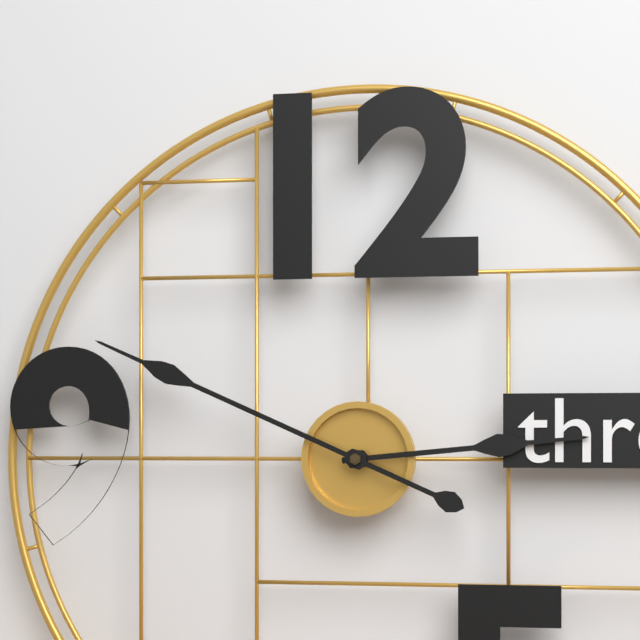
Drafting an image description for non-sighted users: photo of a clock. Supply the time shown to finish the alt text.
2:49
